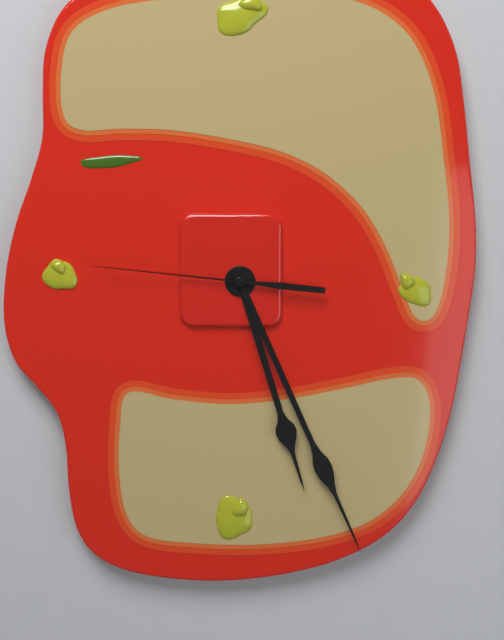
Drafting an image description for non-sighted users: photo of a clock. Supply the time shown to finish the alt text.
5:26:46
